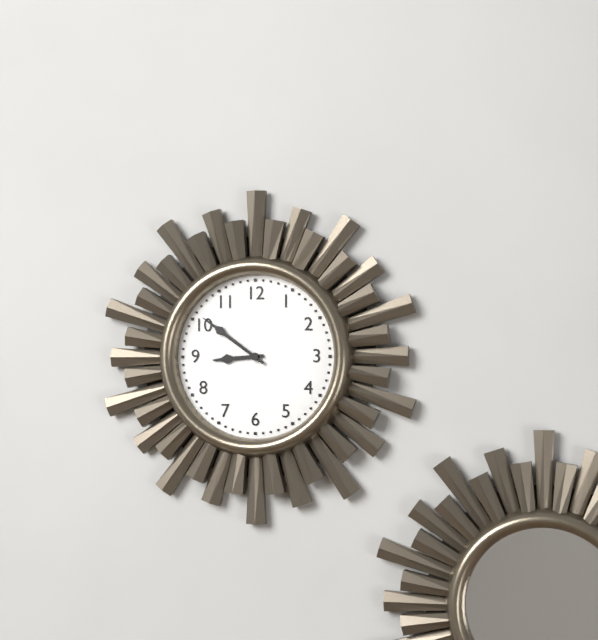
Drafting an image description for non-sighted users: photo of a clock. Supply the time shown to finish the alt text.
8:51
